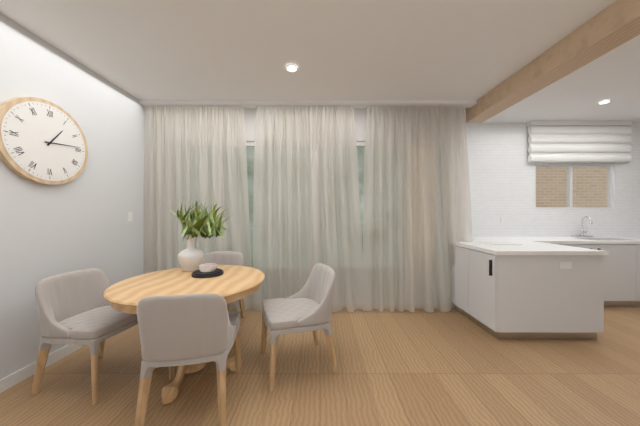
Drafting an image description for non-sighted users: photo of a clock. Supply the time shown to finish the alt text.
1:14
